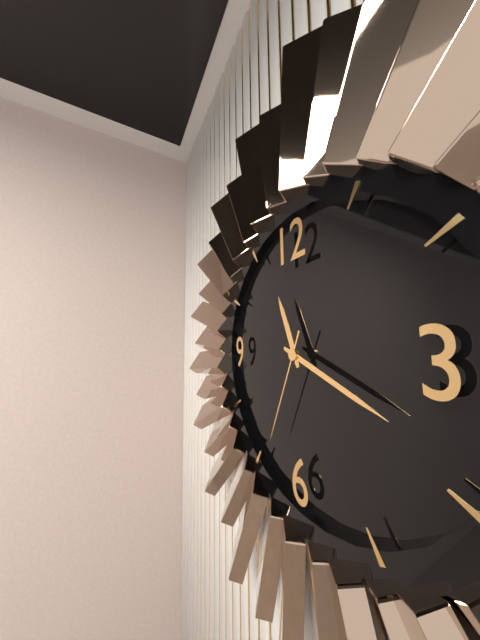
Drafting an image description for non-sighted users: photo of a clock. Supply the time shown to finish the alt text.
11:19:34
